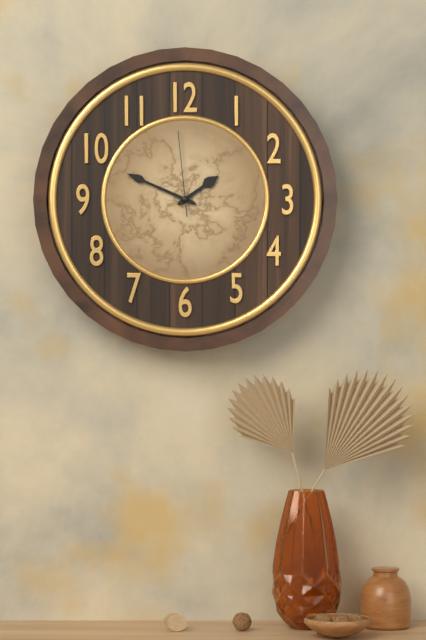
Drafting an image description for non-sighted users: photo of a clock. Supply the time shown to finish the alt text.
1:49:59
